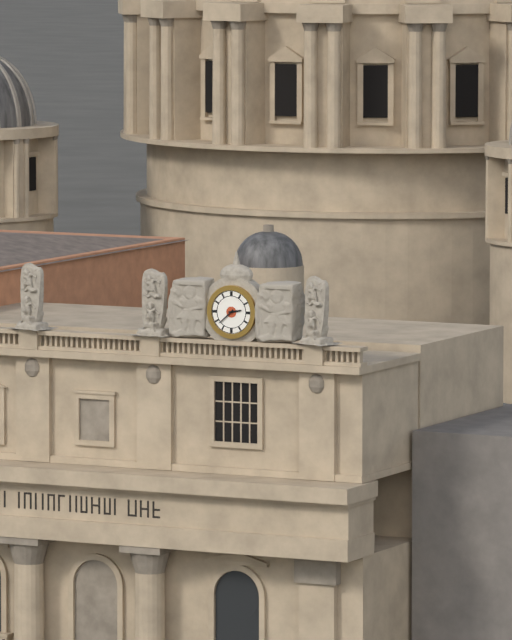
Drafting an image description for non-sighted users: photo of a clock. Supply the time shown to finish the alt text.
2:38
